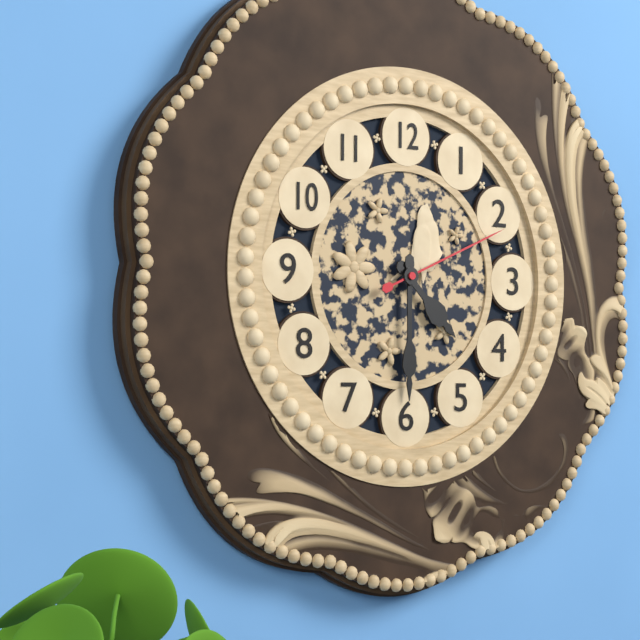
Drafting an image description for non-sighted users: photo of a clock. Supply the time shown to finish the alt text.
4:30:11
